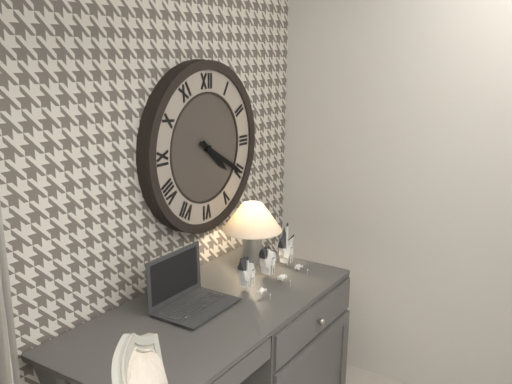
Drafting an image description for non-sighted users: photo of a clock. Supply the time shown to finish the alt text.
4:20
